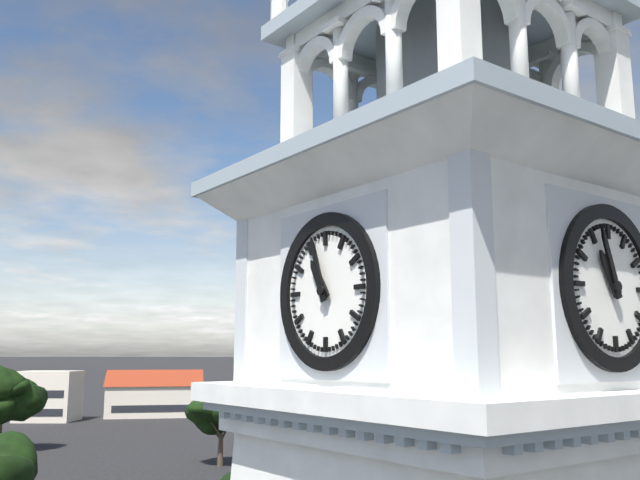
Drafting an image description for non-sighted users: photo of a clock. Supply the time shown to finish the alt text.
10:57
